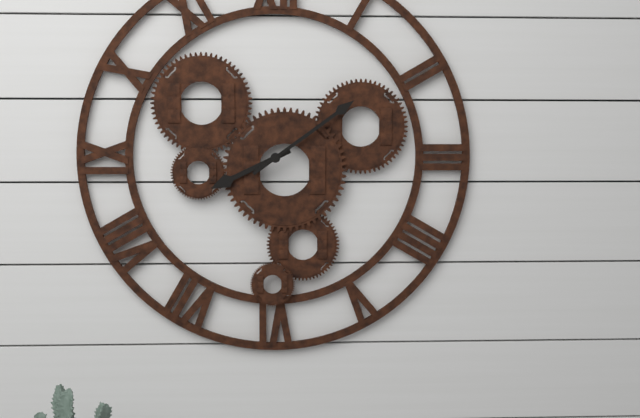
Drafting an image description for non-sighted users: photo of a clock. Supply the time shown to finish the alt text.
8:09
